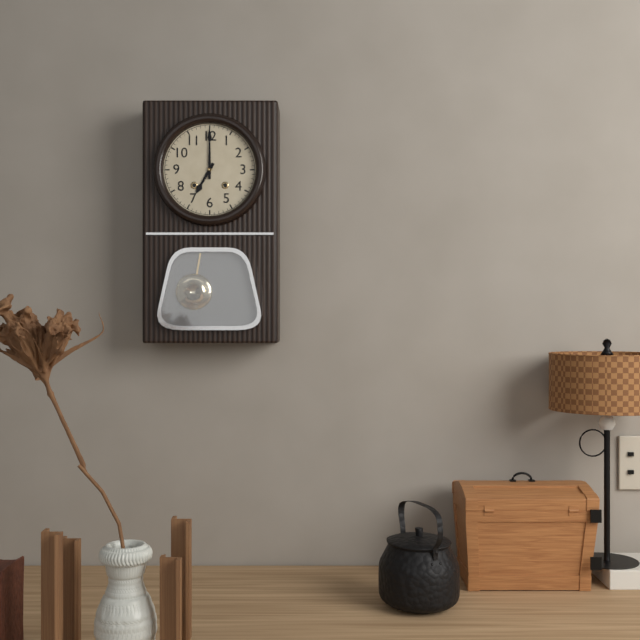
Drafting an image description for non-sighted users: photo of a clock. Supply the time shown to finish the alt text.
7:00
